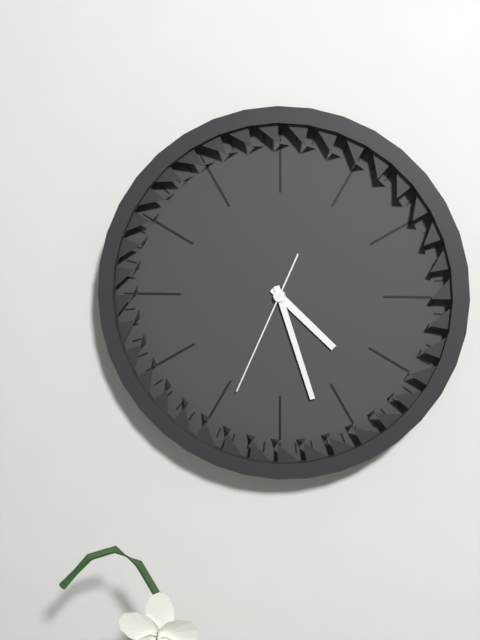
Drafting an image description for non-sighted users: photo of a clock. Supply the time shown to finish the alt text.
4:27:34
